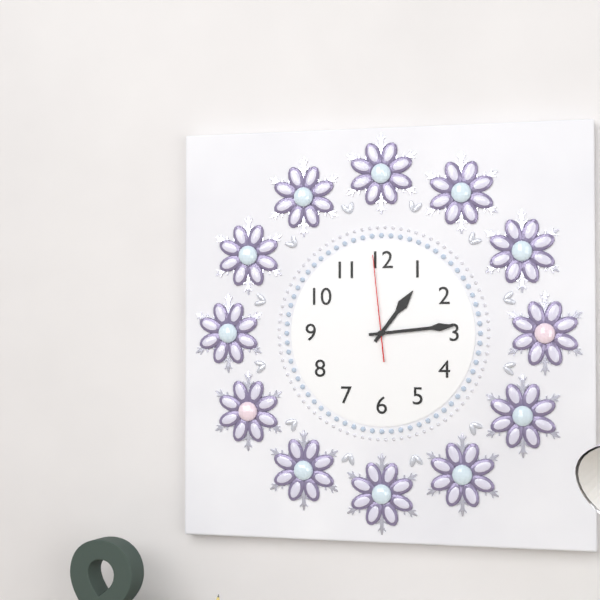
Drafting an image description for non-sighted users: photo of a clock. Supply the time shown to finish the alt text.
1:14:59
